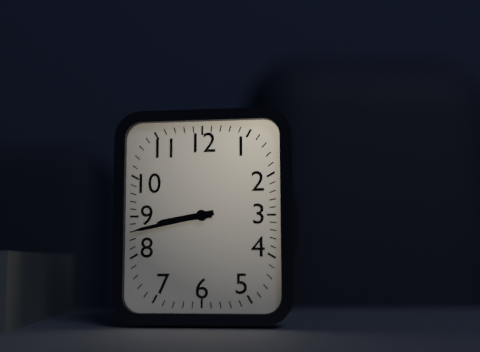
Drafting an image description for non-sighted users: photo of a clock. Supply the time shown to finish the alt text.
8:43
